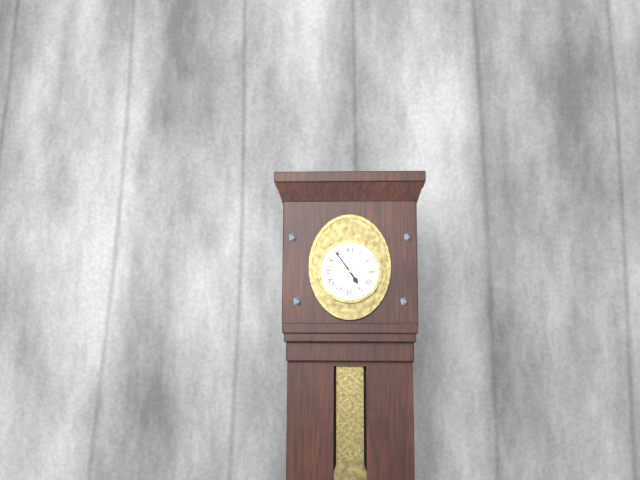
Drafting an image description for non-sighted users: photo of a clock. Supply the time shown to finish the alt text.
4:54
